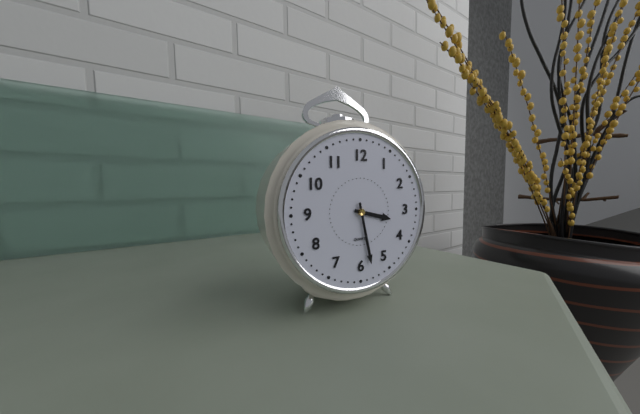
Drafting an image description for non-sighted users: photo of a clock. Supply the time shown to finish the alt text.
3:28
